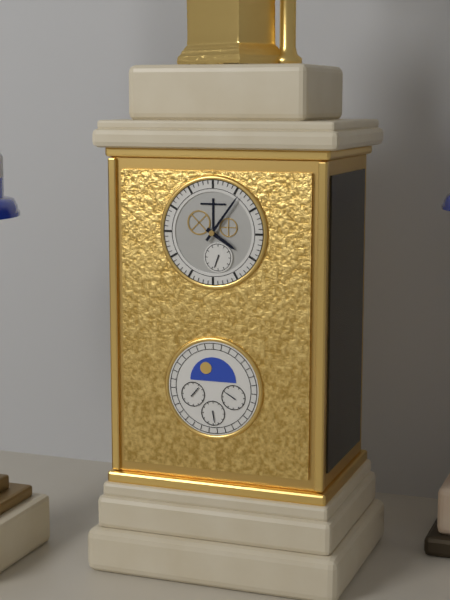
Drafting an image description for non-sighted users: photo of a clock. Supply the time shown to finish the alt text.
4:06
